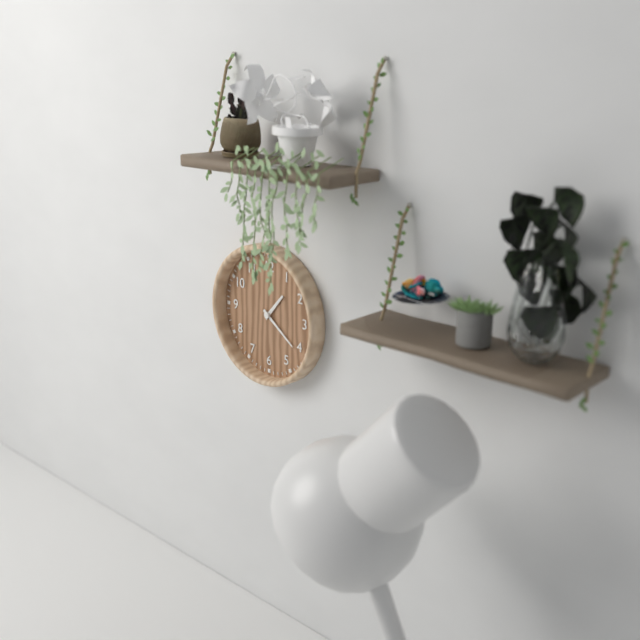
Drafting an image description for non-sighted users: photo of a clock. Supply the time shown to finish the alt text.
1:21
